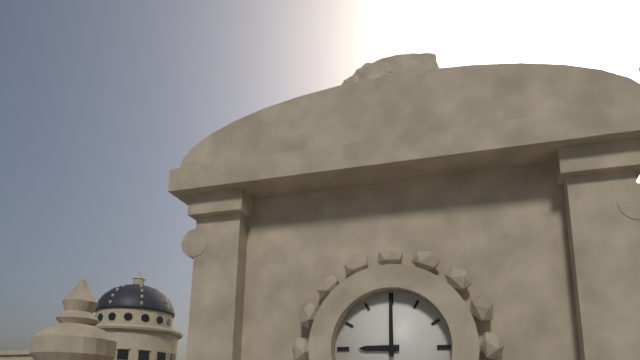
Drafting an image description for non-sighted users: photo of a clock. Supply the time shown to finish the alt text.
9:00
